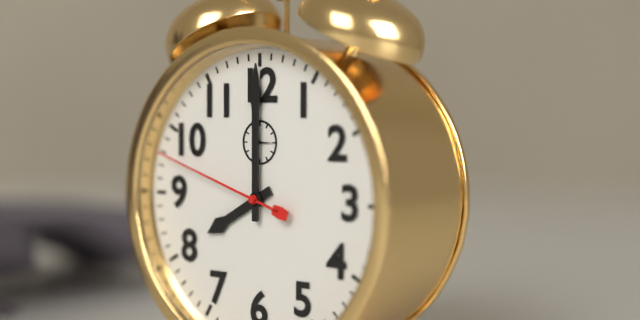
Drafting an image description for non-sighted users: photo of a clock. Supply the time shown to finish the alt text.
8:00:48
